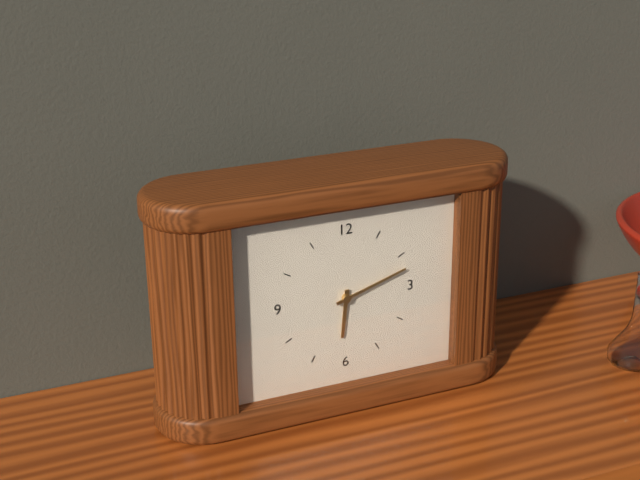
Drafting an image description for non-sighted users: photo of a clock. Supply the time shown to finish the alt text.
6:12
